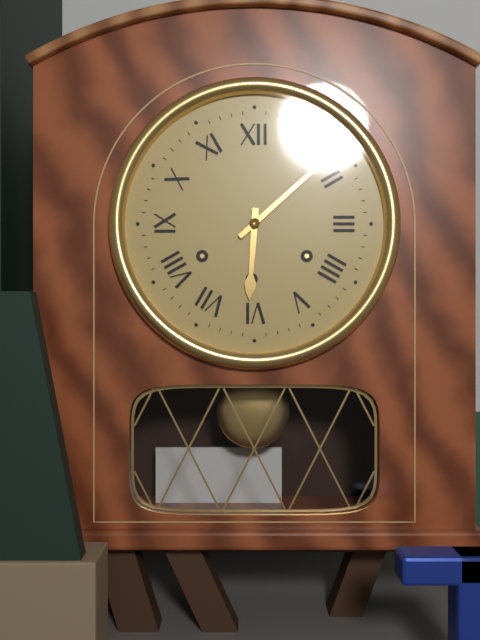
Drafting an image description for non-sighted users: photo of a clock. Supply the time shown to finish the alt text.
6:08
